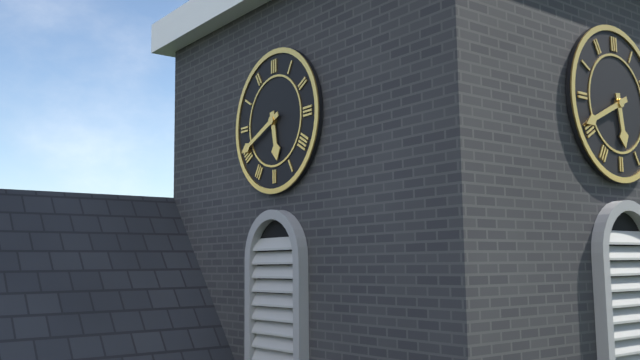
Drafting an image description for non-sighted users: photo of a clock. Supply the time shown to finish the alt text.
5:41
